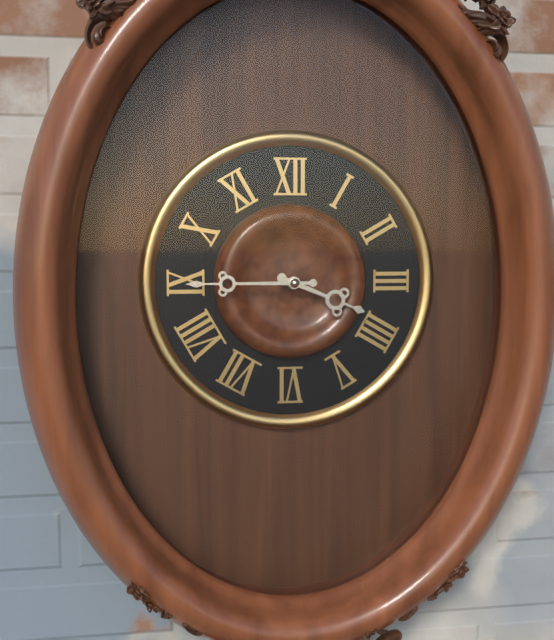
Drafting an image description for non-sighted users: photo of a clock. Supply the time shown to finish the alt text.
3:45
